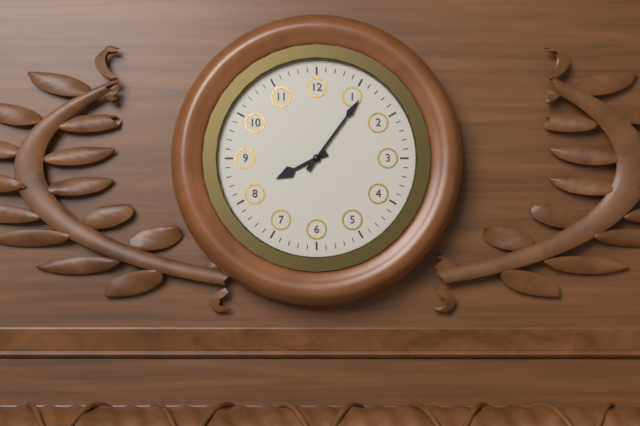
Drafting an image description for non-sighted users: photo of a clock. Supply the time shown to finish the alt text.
8:06
